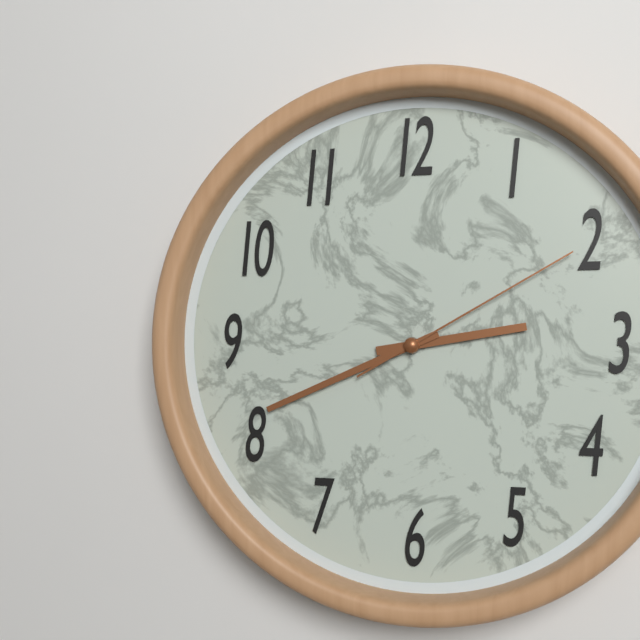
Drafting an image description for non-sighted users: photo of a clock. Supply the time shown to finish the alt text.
2:41:10
